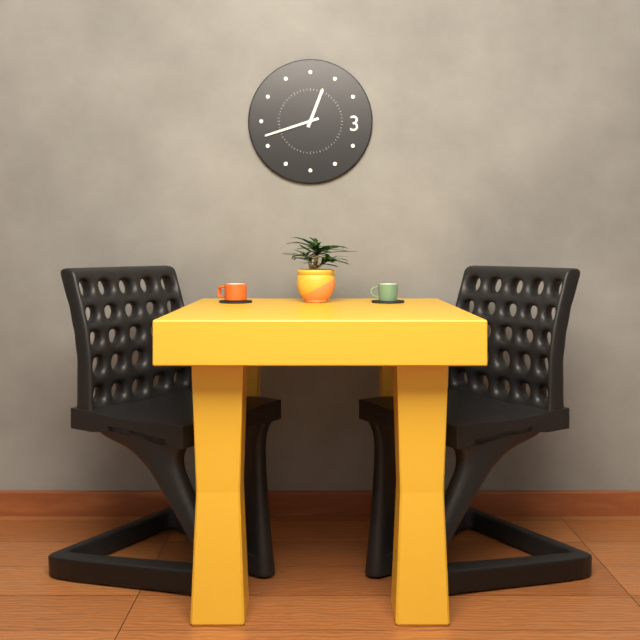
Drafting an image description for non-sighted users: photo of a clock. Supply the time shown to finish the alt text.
12:42
